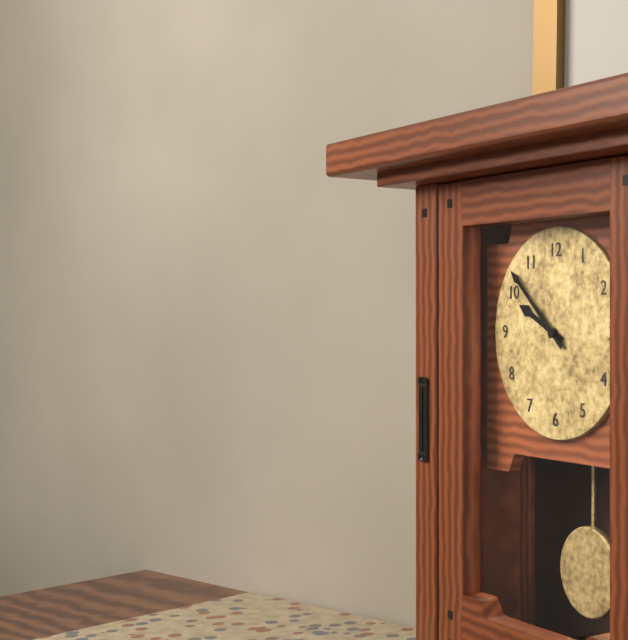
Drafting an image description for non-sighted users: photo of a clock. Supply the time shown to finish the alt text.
9:52
